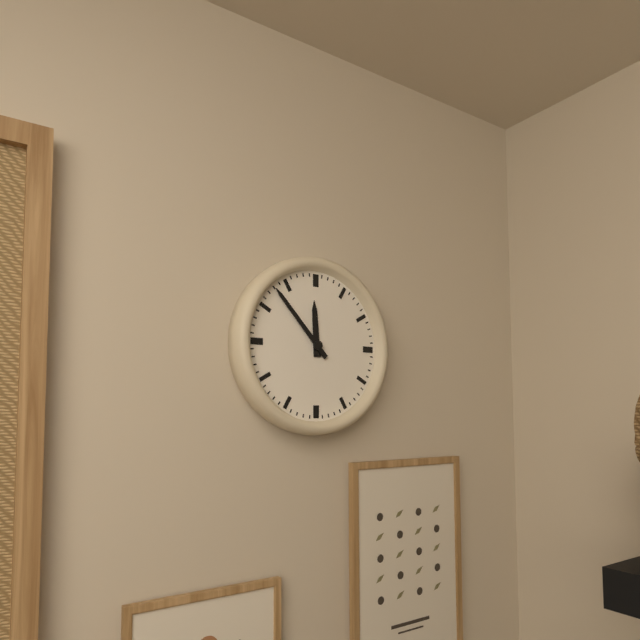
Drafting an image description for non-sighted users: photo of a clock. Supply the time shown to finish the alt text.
11:53
